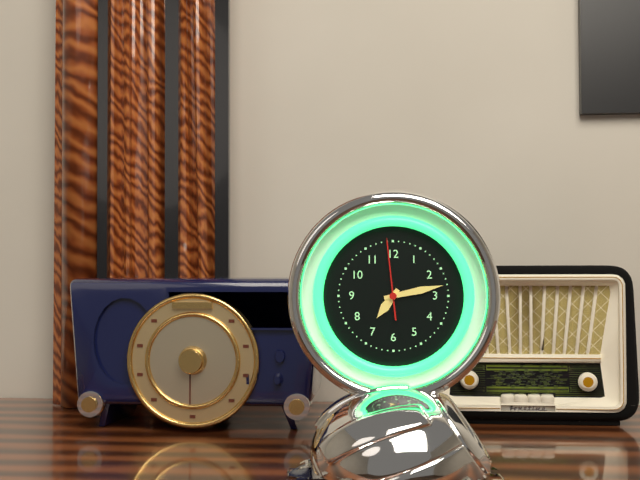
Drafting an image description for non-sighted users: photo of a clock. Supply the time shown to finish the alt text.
7:13:59
